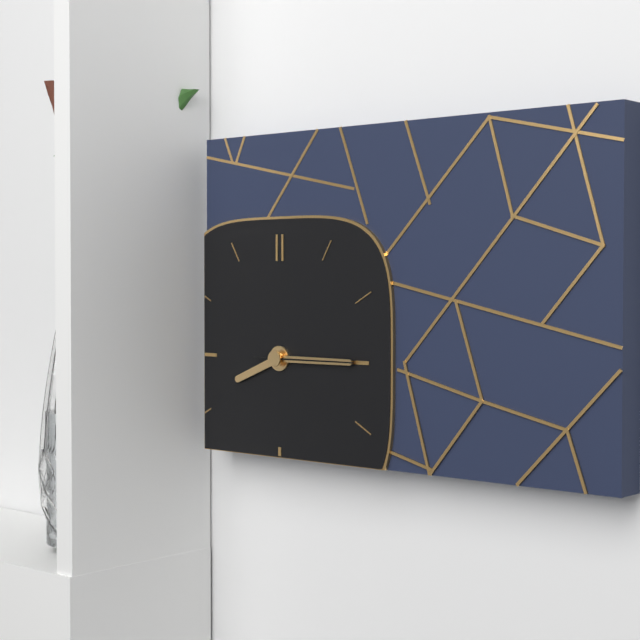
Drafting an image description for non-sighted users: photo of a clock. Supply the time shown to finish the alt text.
8:15:15
